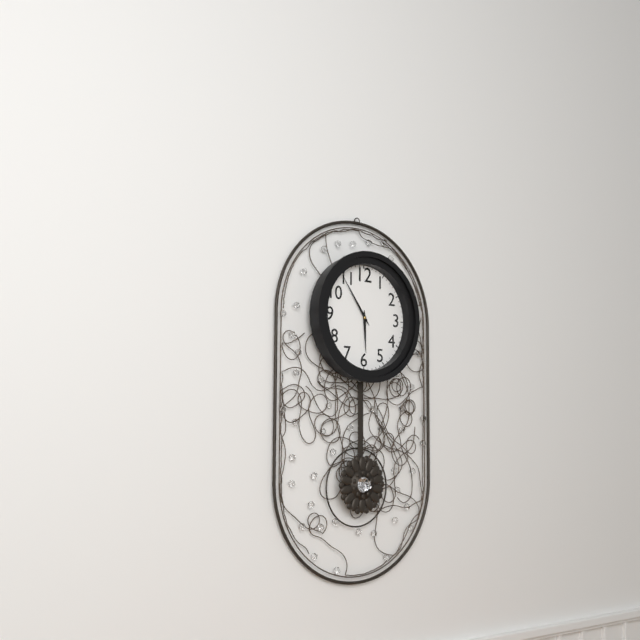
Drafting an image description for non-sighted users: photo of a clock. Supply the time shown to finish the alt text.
5:54
